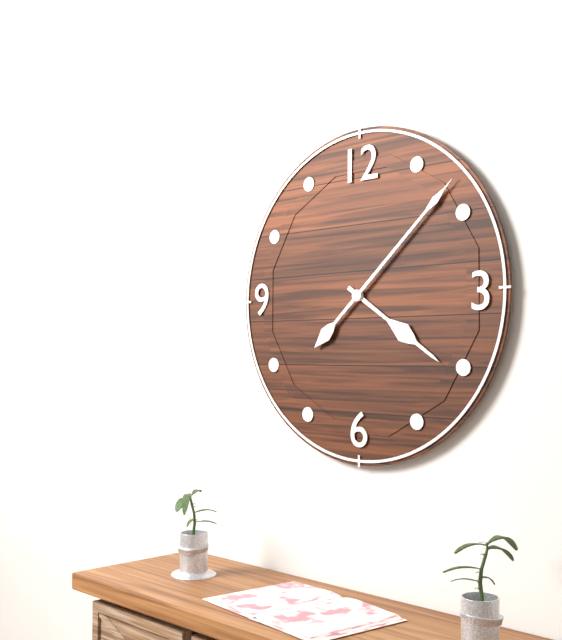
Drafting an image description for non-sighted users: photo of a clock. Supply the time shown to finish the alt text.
4:08
